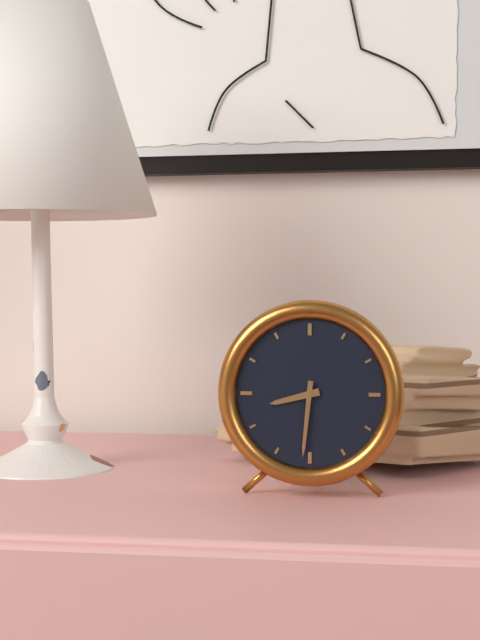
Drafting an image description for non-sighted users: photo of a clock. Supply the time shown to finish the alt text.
8:31
